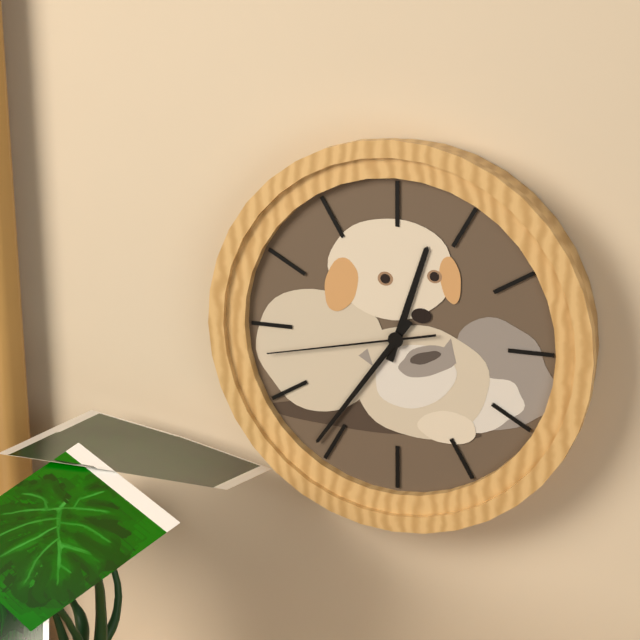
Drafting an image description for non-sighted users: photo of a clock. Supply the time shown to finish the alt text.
12:36:43
